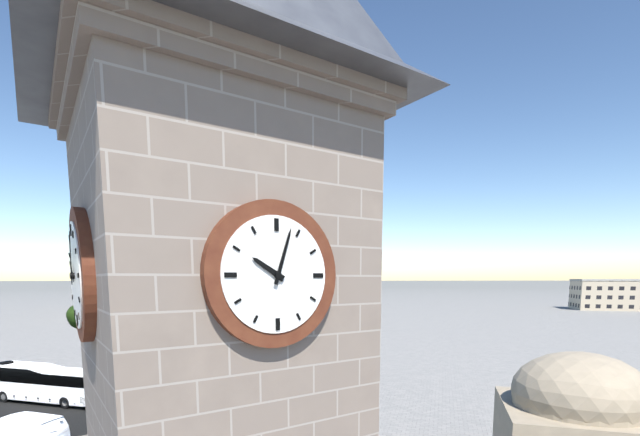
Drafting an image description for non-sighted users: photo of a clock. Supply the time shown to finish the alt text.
10:03
